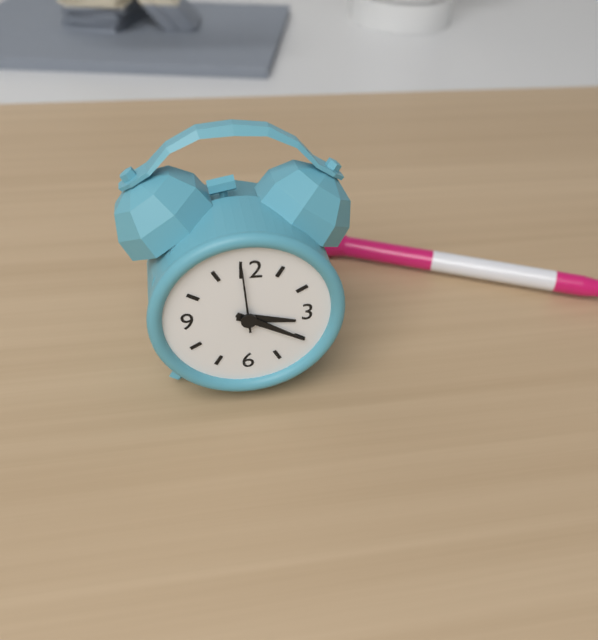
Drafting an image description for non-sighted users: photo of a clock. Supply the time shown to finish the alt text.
3:20:59
